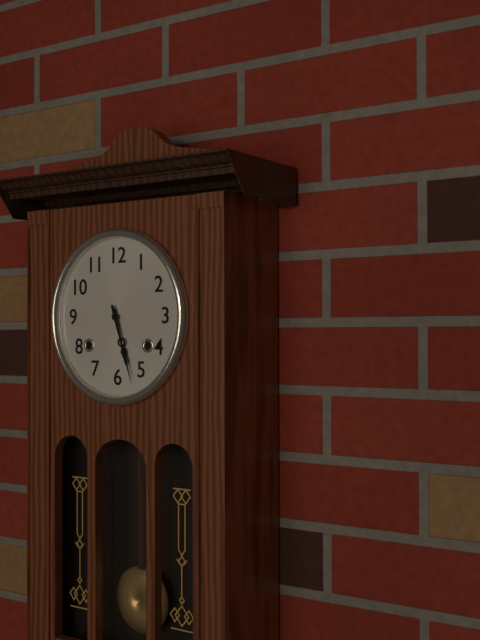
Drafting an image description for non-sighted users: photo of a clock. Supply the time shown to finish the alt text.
5:27
